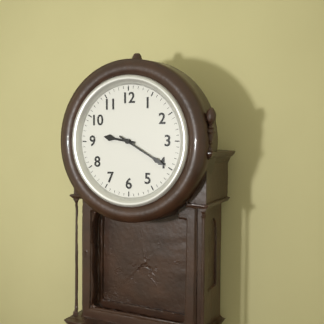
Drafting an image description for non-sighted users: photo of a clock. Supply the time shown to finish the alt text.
9:20
